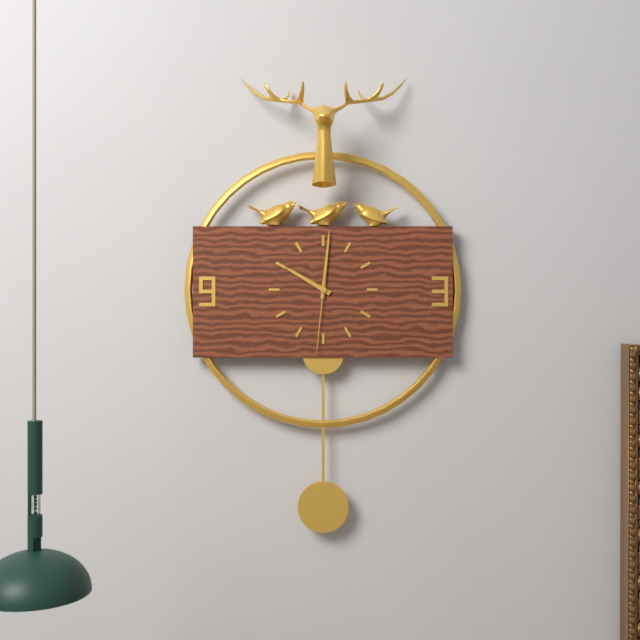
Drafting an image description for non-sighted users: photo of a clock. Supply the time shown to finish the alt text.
10:01:31
